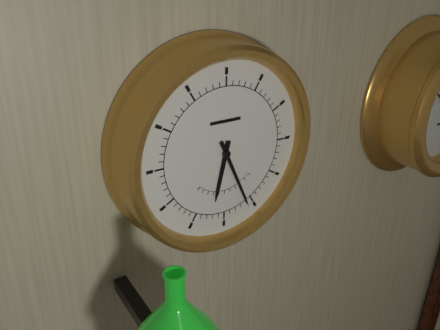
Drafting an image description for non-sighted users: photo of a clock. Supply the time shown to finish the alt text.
6:26
